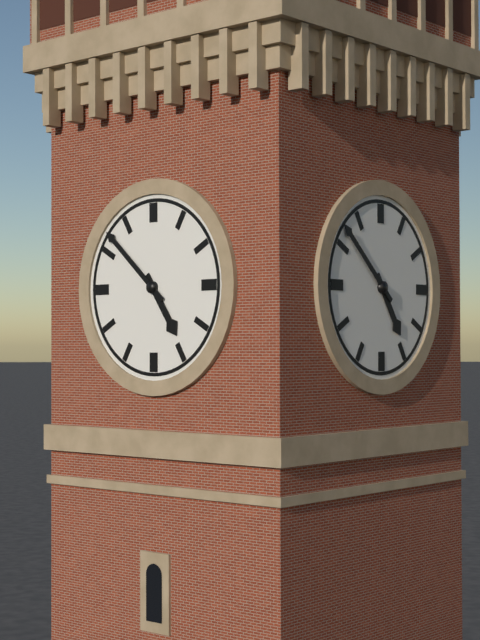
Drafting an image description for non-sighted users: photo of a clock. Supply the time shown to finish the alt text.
4:52
